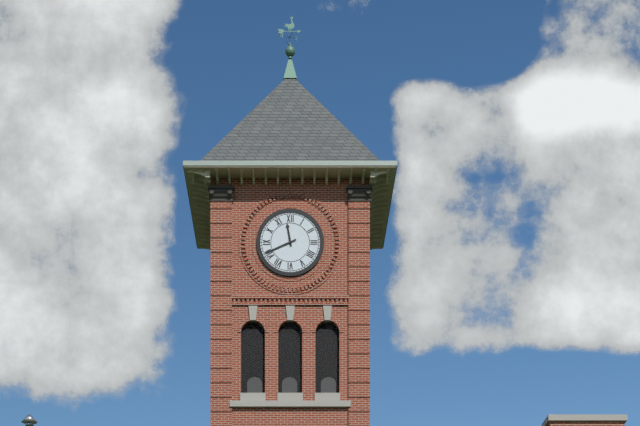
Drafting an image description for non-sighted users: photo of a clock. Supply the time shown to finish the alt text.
11:41
